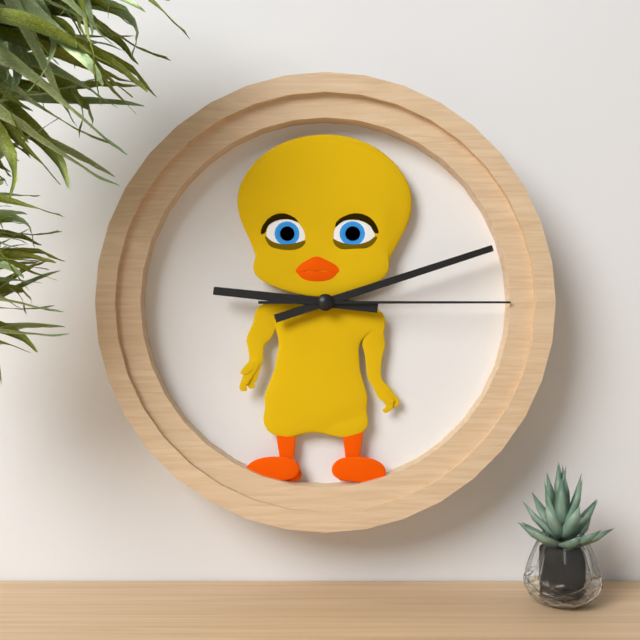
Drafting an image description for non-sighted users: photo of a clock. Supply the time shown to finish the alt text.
9:12:15
